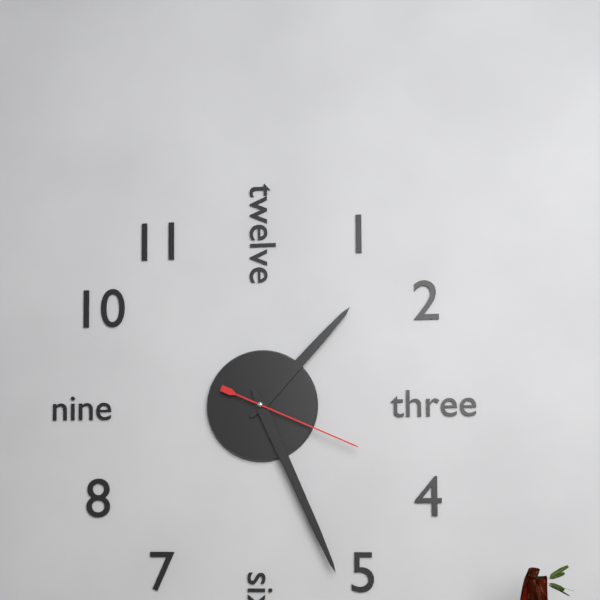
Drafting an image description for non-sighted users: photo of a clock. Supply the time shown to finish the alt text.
1:26:19
